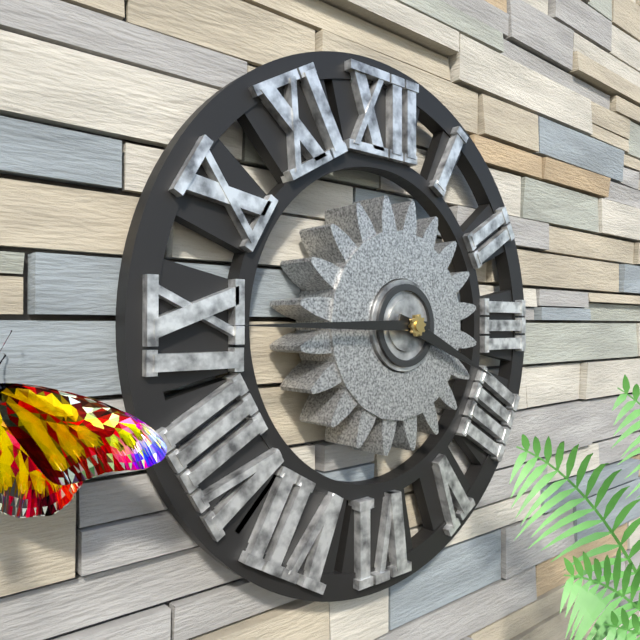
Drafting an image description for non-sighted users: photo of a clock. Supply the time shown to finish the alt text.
3:45
